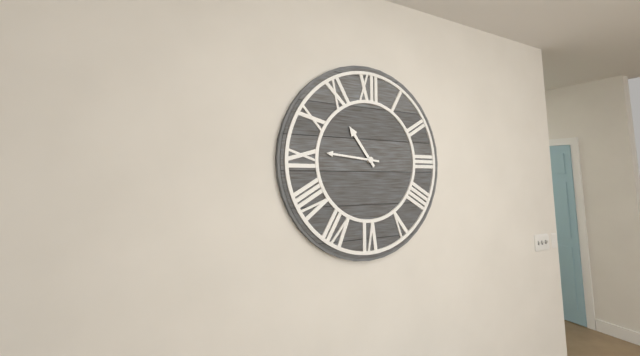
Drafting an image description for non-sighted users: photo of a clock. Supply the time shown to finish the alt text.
10:46
